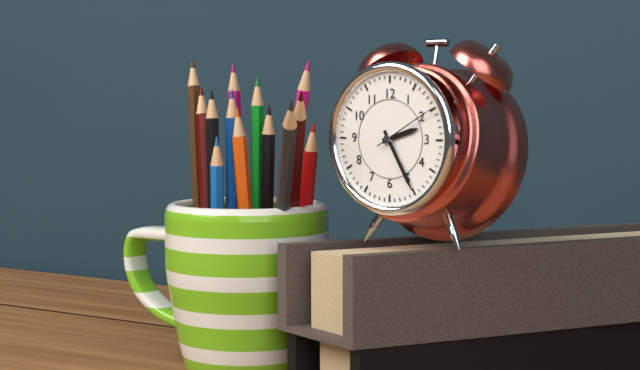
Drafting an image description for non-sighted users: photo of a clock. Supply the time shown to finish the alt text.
2:25:10
